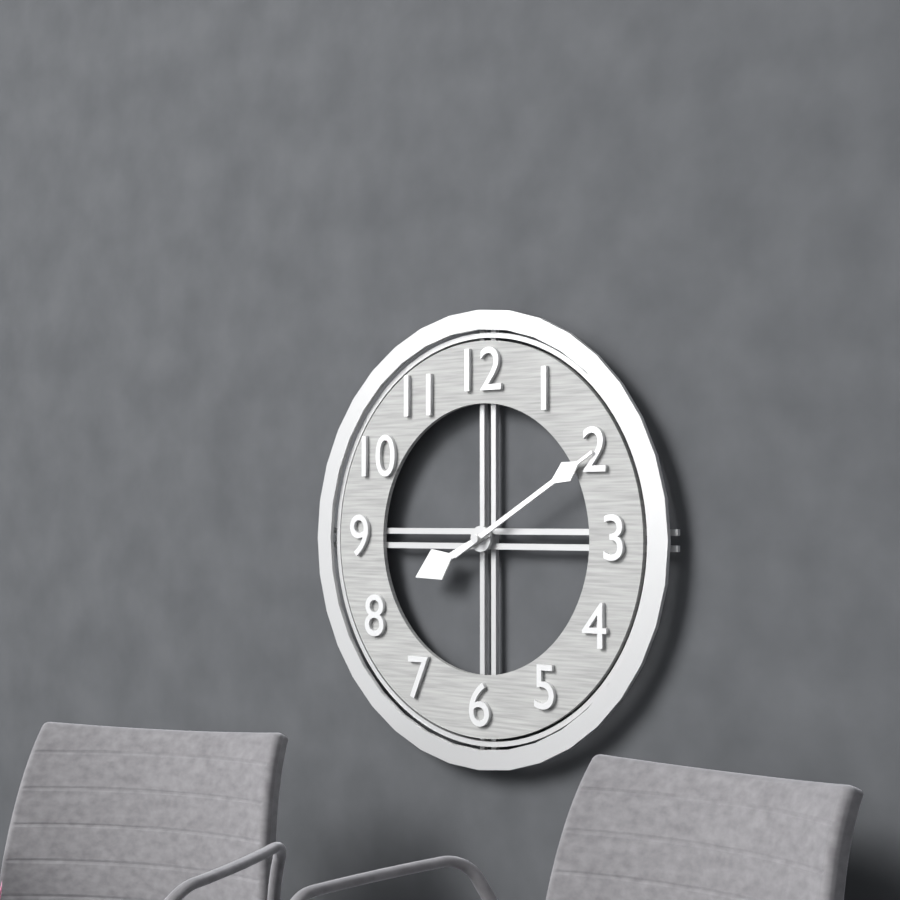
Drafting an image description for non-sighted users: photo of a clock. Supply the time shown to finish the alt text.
8:10
